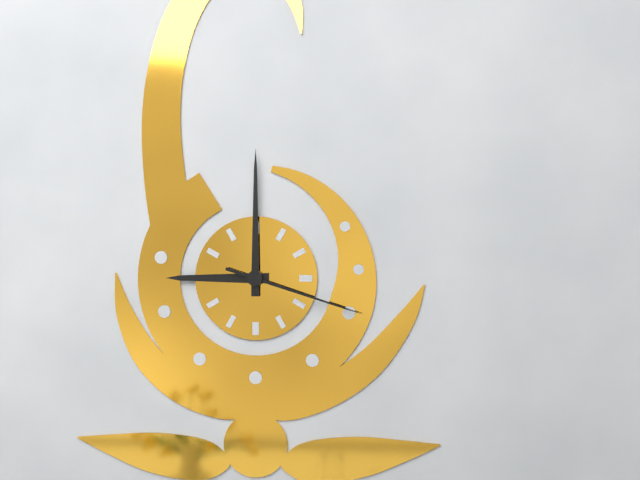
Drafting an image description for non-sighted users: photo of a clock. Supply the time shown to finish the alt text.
9:00:18
